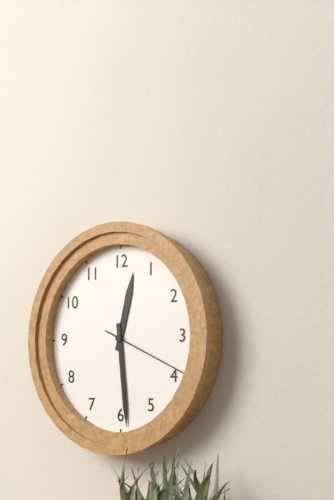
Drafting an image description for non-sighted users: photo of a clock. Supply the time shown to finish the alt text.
12:29:19
